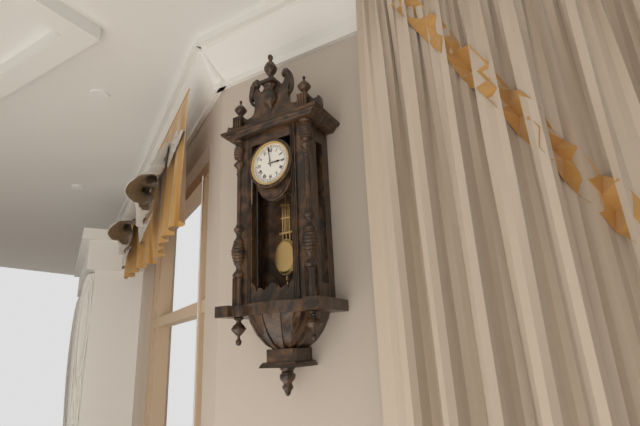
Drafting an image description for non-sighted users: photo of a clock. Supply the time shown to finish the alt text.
2:59
